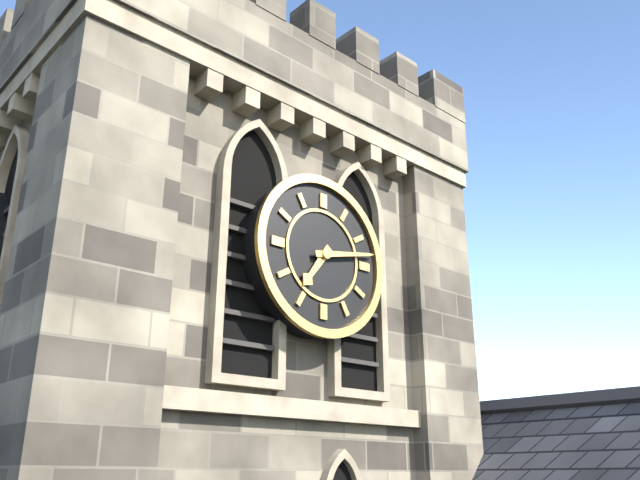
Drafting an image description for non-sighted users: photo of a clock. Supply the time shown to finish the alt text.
7:13
